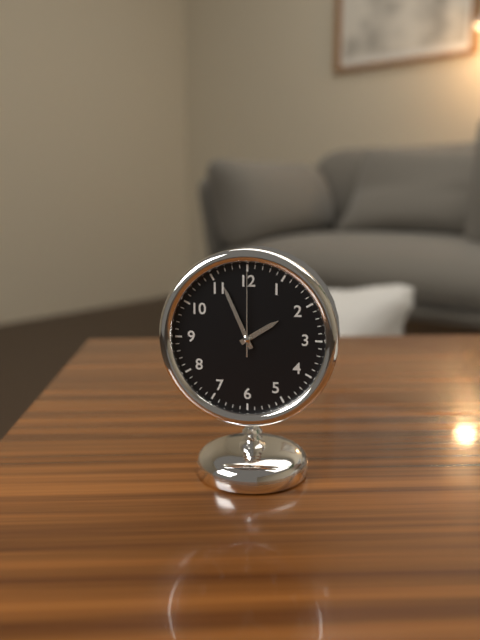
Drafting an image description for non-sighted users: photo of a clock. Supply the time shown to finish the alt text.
1:56:00
